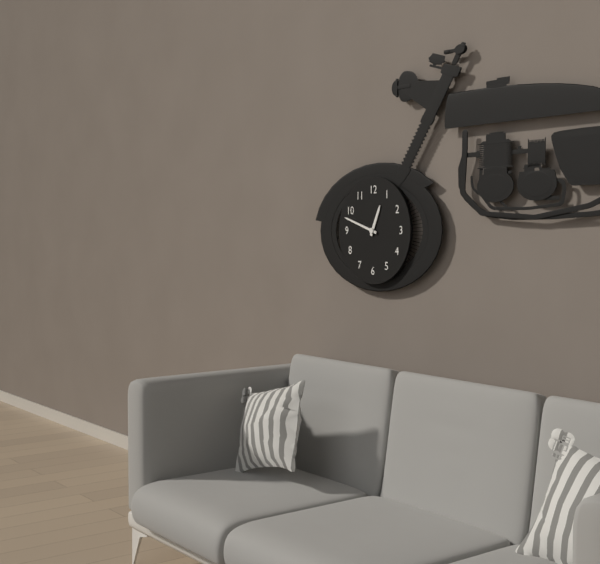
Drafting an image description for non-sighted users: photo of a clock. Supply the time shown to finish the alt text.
12:48
